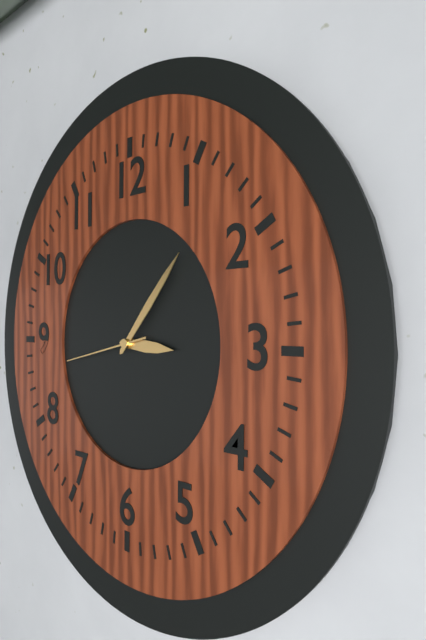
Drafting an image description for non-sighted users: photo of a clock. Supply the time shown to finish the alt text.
3:07:43
